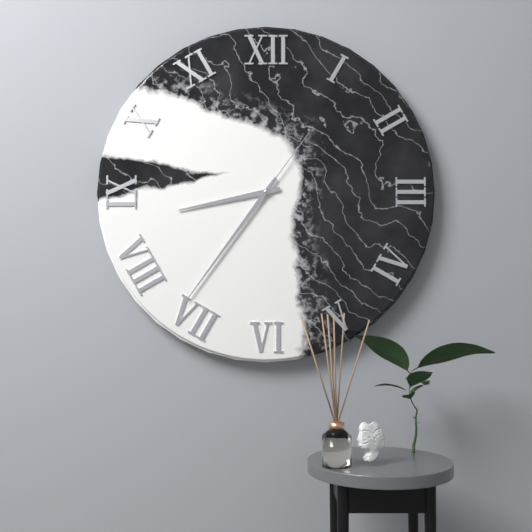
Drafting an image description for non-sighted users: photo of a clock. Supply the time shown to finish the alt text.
8:36:06
